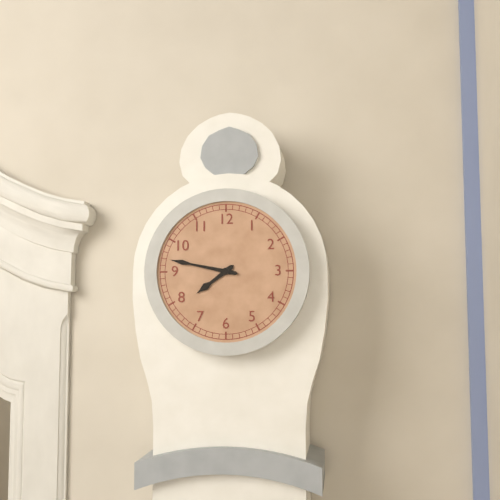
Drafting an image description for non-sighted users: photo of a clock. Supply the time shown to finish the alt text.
7:47
